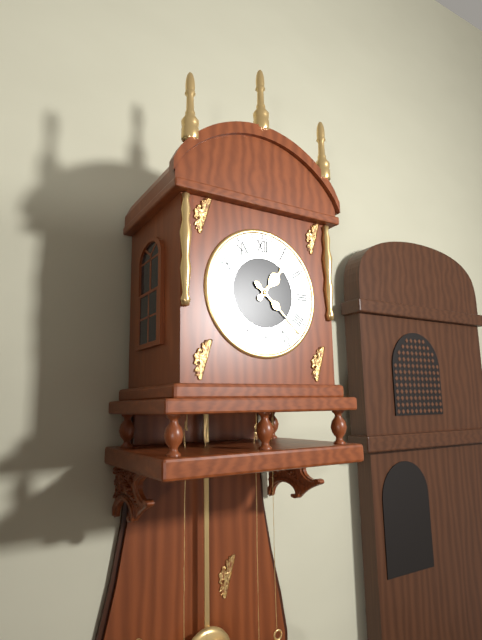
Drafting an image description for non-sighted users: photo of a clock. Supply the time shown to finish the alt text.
1:22
